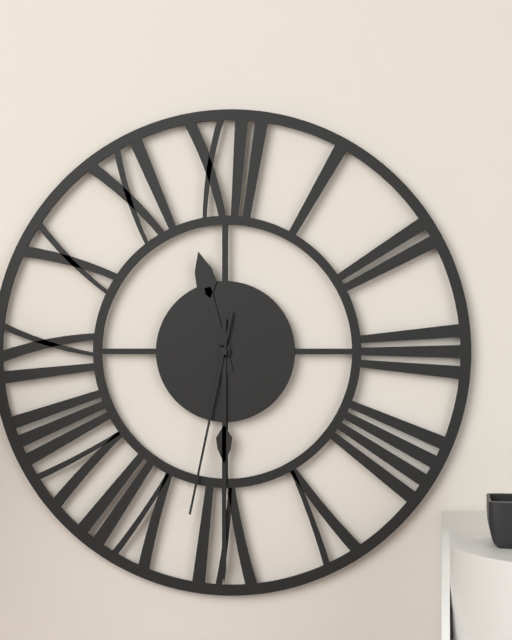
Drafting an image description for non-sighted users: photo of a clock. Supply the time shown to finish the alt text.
11:30:32
